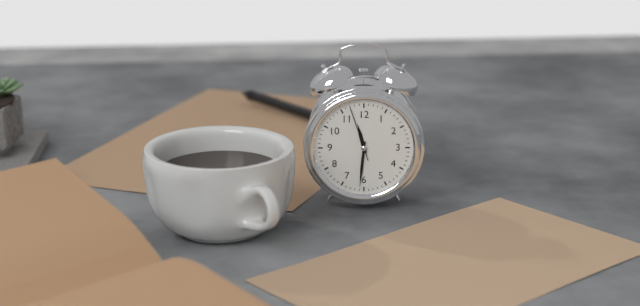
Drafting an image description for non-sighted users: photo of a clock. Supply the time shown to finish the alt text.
11:31:57
